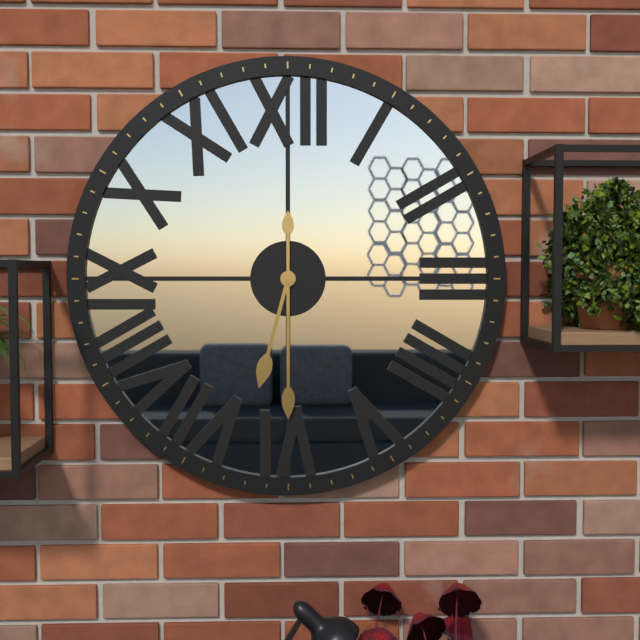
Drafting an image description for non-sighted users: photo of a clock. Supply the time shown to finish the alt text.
6:30
